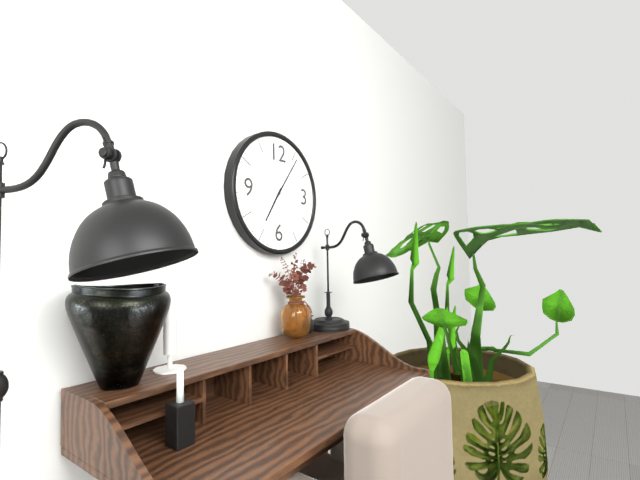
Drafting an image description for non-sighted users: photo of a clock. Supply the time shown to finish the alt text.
7:06
